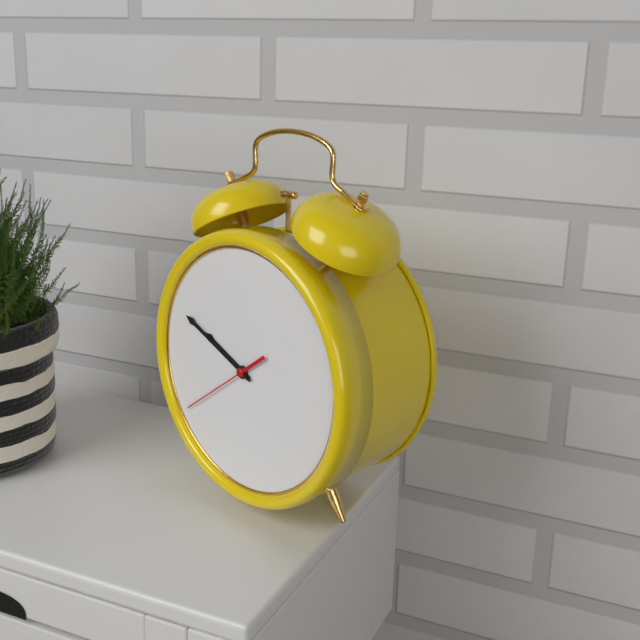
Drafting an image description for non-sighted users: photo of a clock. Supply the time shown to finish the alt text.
9:49:39
